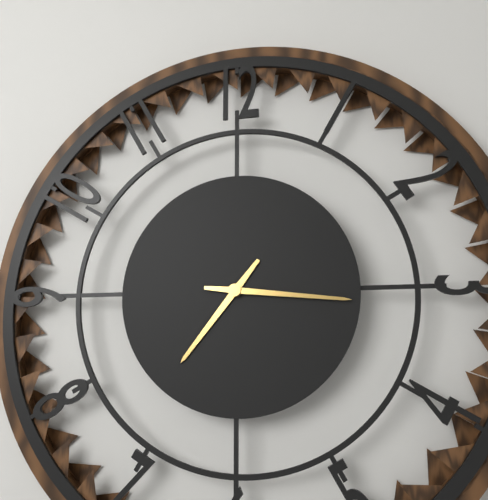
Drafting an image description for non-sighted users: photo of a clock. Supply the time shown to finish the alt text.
7:16
